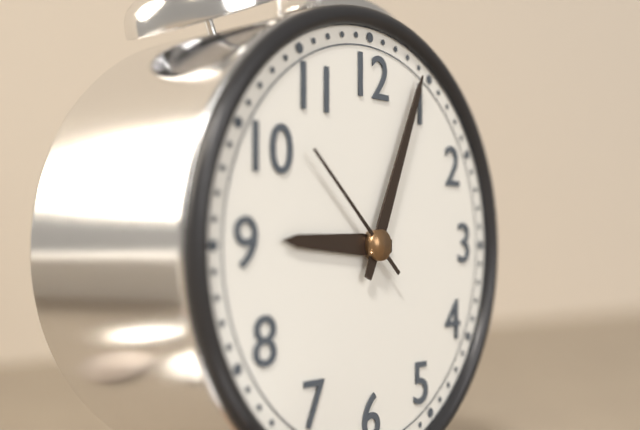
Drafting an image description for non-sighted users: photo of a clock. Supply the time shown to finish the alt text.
9:04:52
